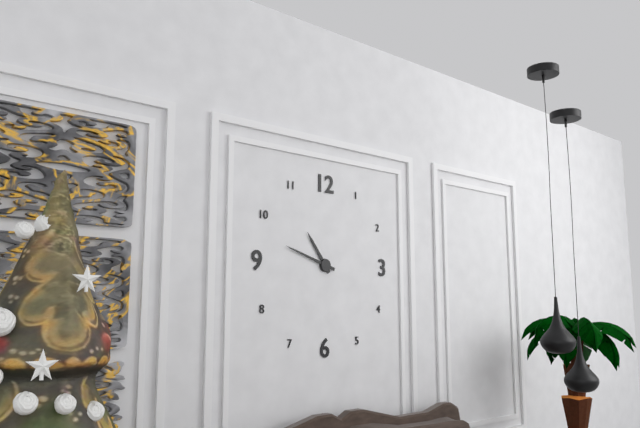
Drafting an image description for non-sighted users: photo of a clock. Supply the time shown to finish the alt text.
10:48
